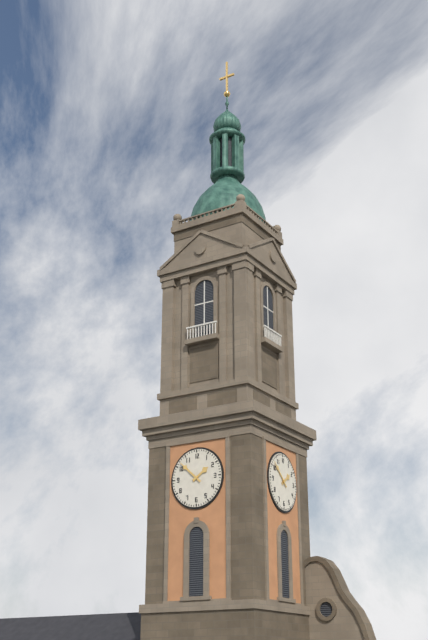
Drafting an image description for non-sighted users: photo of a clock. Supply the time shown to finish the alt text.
1:52
